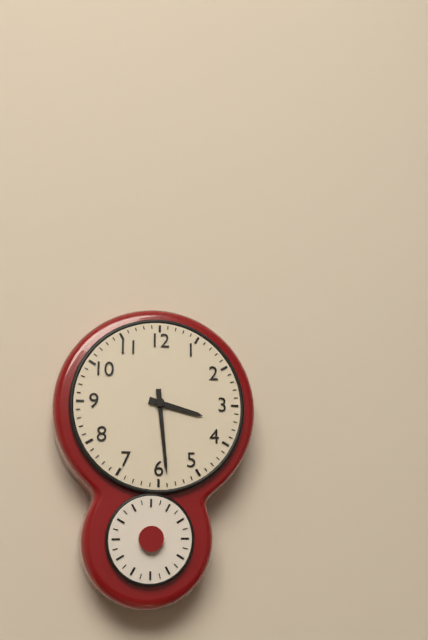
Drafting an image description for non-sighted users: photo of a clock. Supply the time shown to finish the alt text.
3:29
